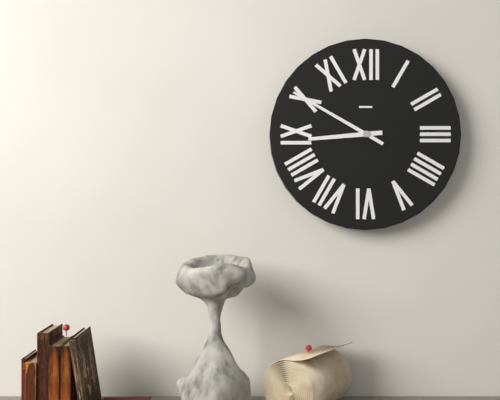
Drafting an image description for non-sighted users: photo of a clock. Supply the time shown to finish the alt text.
8:50
